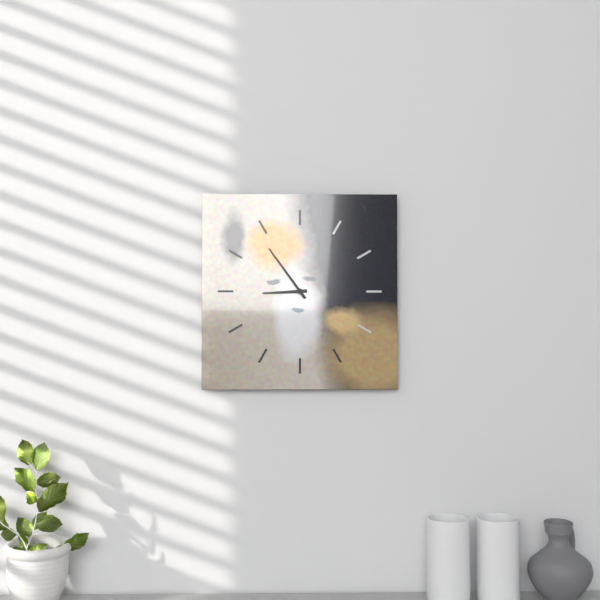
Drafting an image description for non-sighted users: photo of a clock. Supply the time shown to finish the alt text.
8:54
